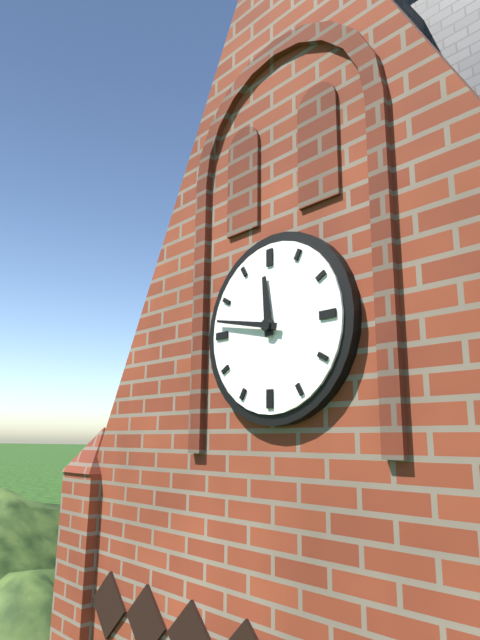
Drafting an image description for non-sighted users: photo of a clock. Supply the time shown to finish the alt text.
11:47
